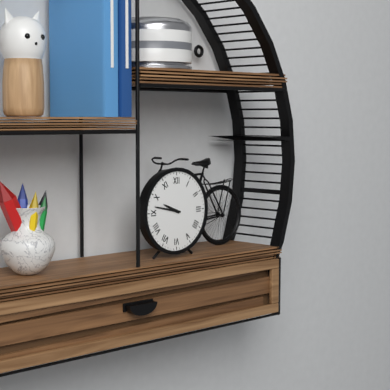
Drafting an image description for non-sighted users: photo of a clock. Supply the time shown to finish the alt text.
9:47
